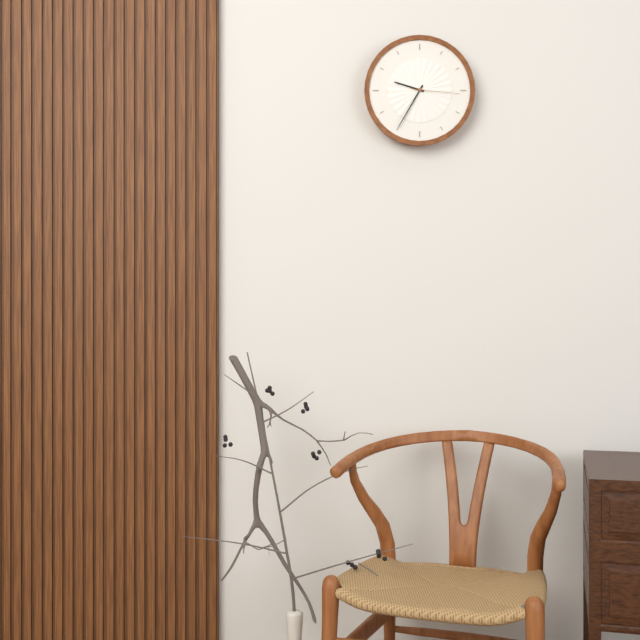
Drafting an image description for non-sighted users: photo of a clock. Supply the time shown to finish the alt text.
9:35:16
